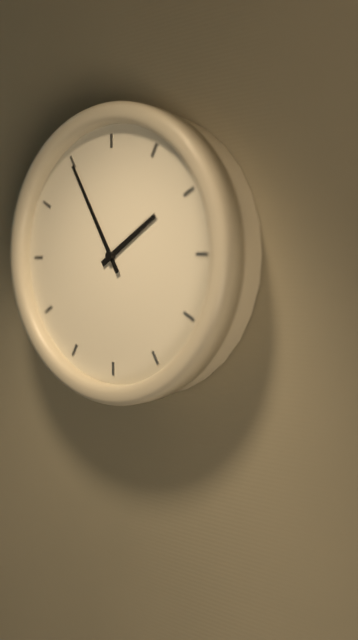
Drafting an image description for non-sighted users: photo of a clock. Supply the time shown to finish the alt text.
1:55
